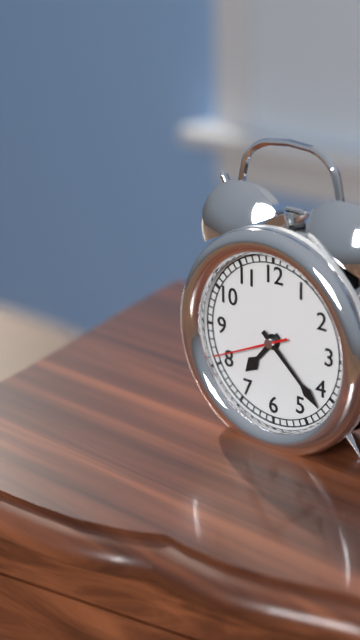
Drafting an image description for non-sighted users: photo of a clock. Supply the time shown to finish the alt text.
7:22:41
